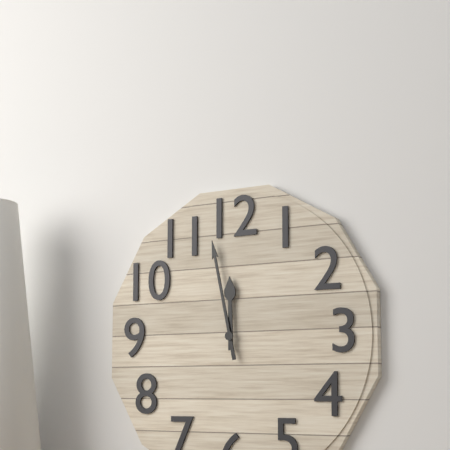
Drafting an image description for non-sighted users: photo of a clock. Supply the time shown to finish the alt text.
11:58
